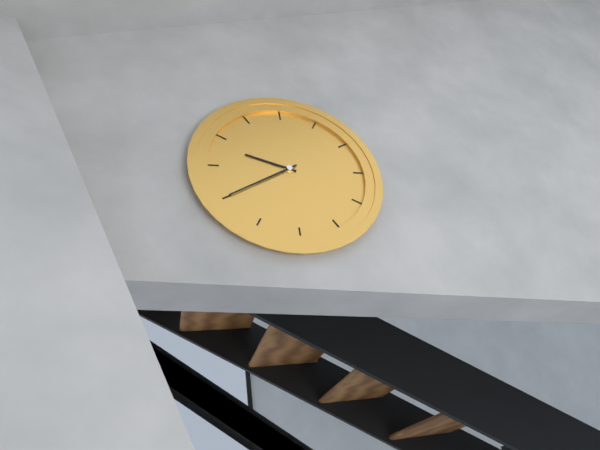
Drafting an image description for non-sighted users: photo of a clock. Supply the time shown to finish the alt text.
9:40
